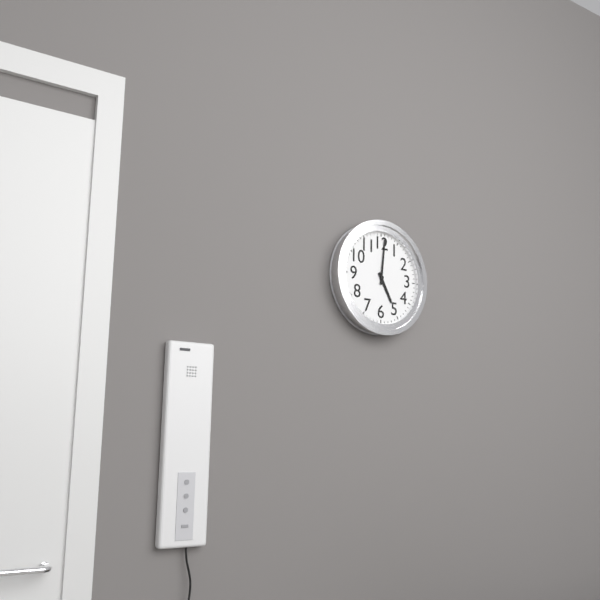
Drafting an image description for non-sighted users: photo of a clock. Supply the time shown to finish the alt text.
5:01
